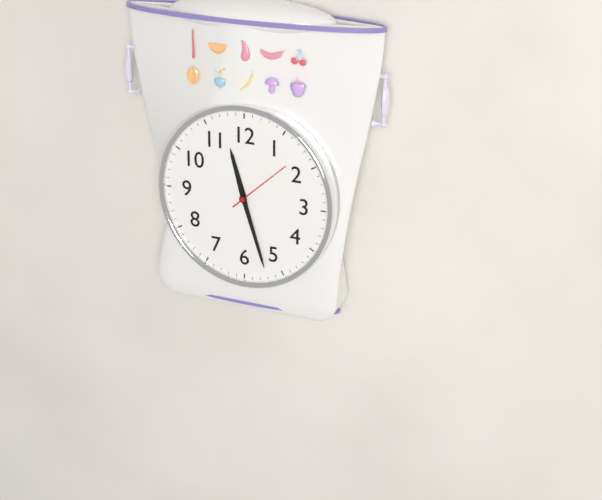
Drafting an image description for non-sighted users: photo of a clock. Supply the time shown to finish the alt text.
11:27:08
